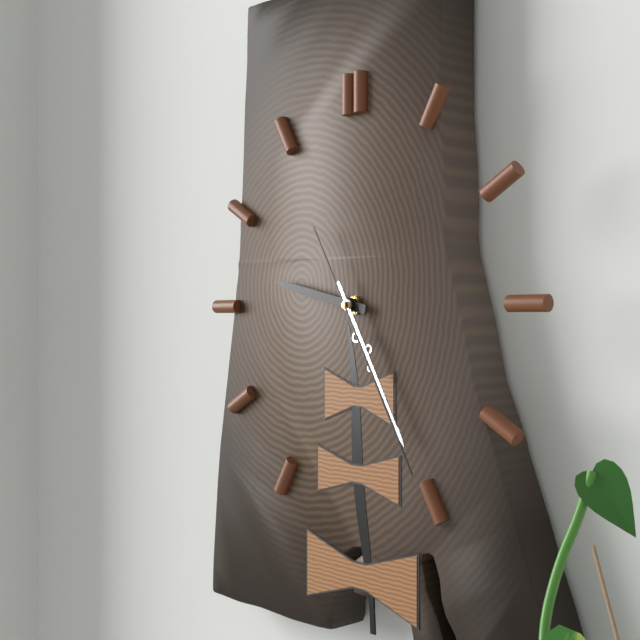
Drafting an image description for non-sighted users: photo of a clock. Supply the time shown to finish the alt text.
9:25:25
